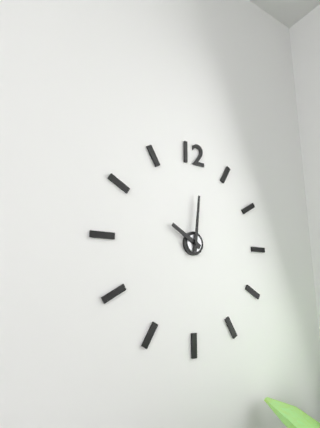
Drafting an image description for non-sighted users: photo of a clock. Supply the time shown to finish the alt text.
10:01
